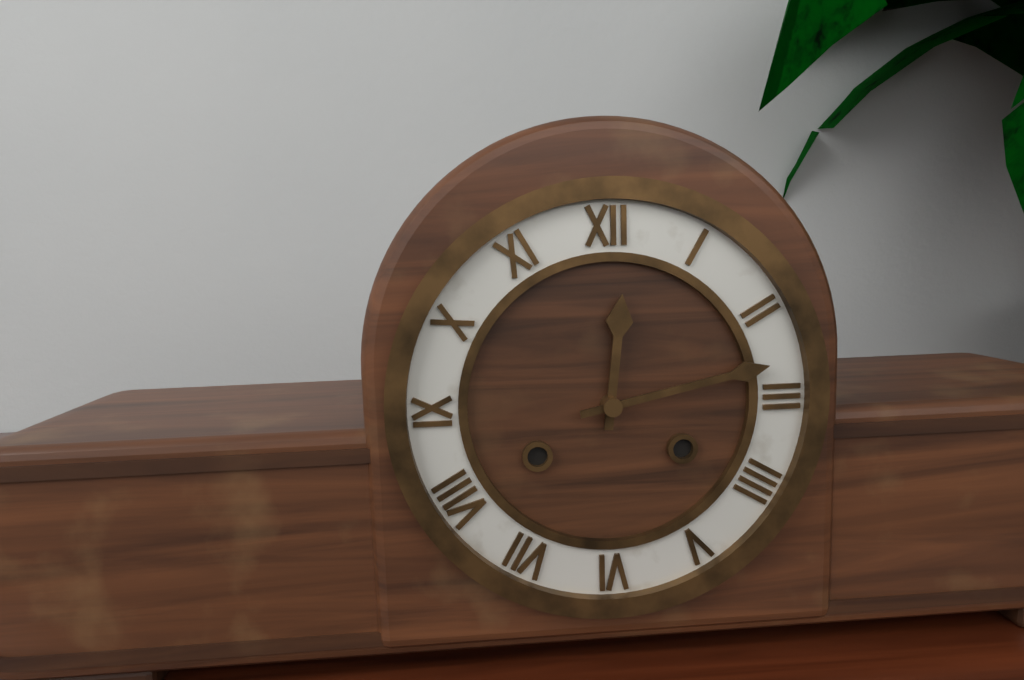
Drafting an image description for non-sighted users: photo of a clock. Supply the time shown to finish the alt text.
12:13
